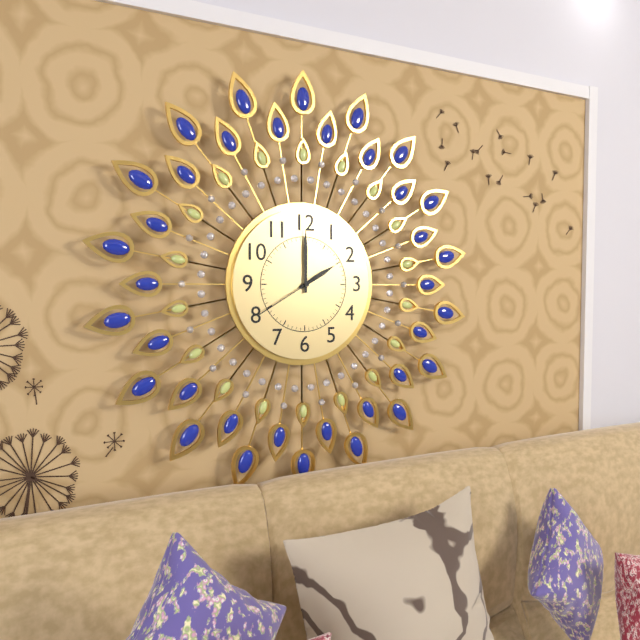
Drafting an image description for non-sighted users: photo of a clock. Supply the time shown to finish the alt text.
2:00:40
